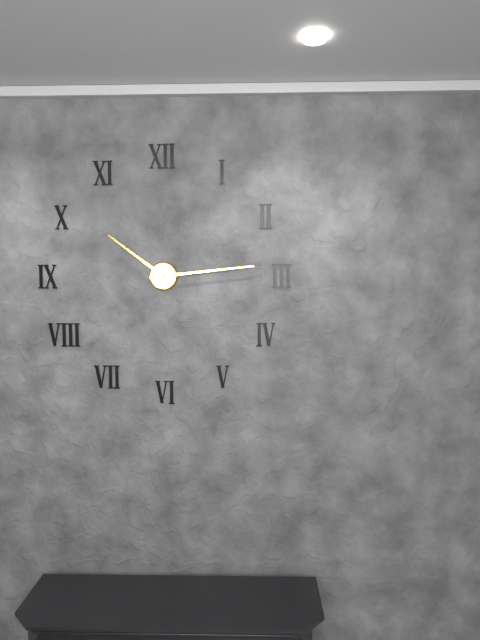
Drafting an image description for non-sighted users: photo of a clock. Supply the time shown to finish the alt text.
10:14
